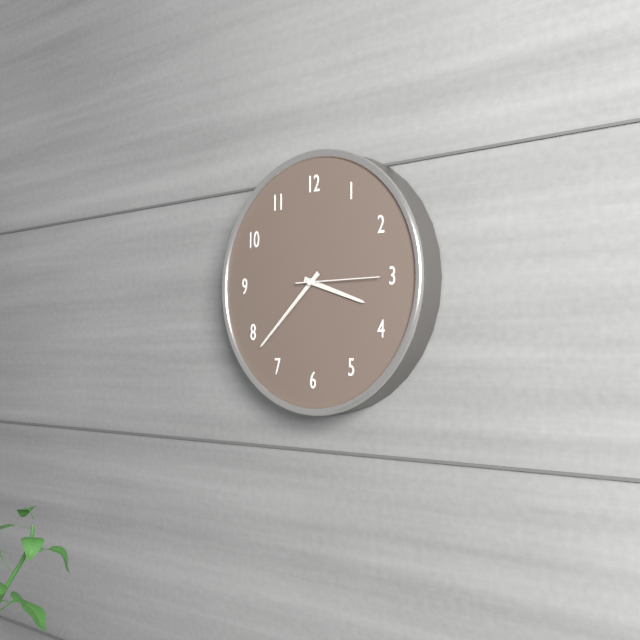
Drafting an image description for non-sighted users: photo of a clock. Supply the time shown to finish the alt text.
3:38:15
